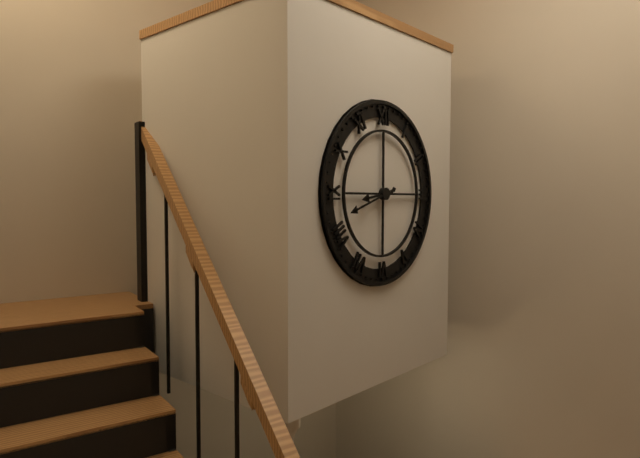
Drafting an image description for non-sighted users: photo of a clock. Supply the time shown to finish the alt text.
8:42
